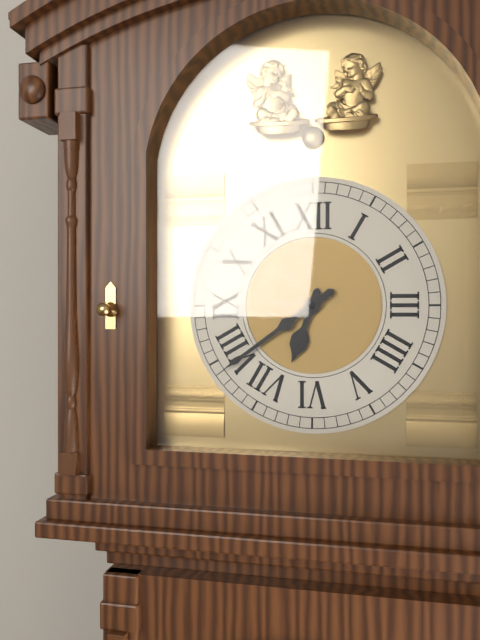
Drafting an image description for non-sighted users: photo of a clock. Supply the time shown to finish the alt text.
6:39
